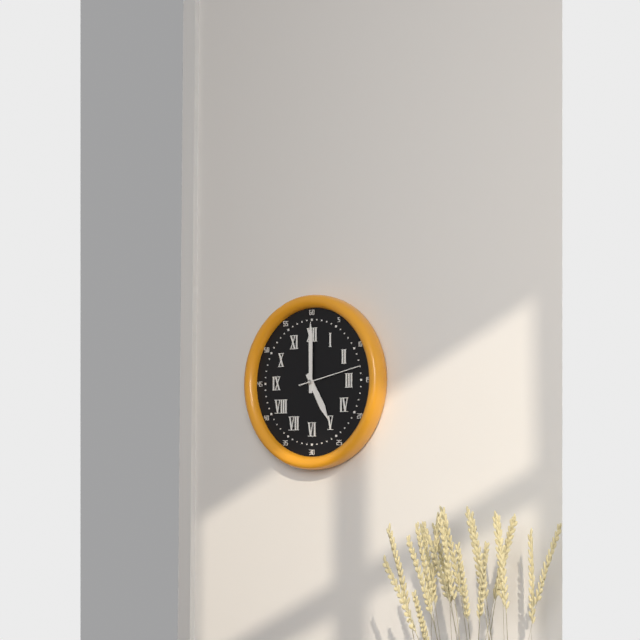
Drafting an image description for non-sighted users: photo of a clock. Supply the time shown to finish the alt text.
5:00:13
